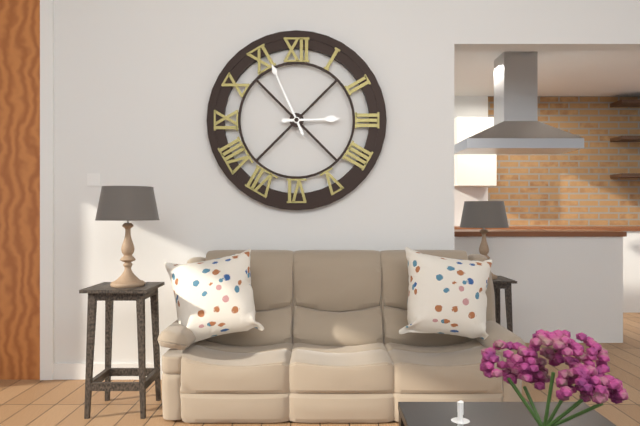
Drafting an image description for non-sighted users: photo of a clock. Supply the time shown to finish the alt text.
2:56
